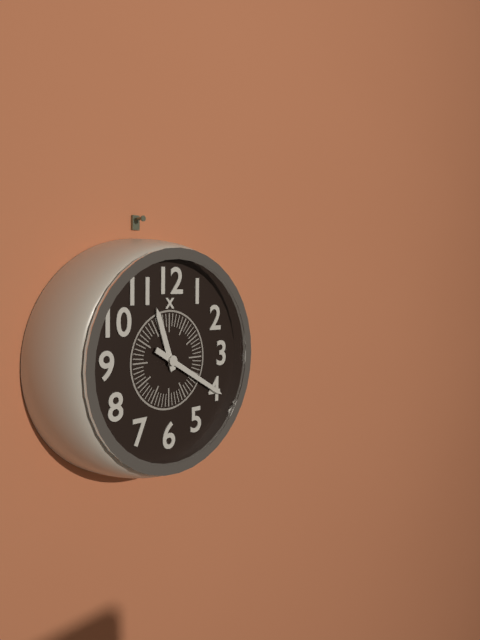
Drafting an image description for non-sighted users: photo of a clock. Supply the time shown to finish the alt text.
11:20
